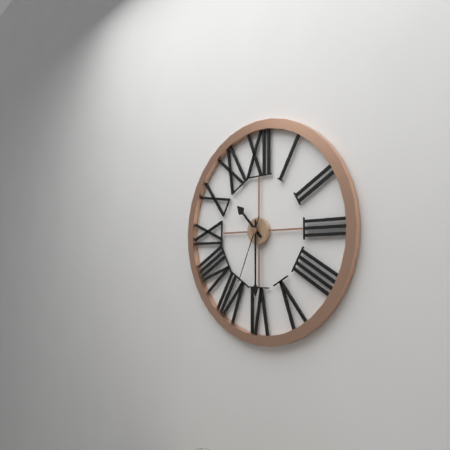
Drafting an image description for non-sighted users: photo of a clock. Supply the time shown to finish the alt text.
10:30:34
